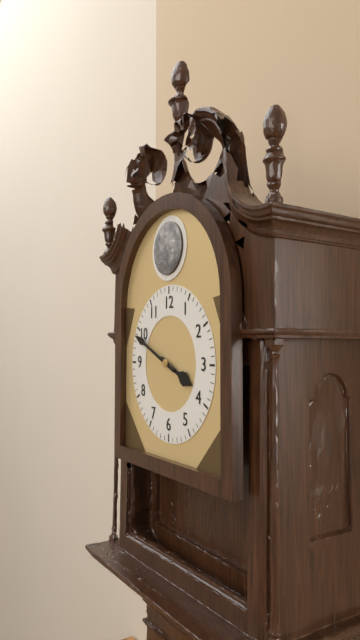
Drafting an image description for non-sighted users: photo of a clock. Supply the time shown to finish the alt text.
3:49
